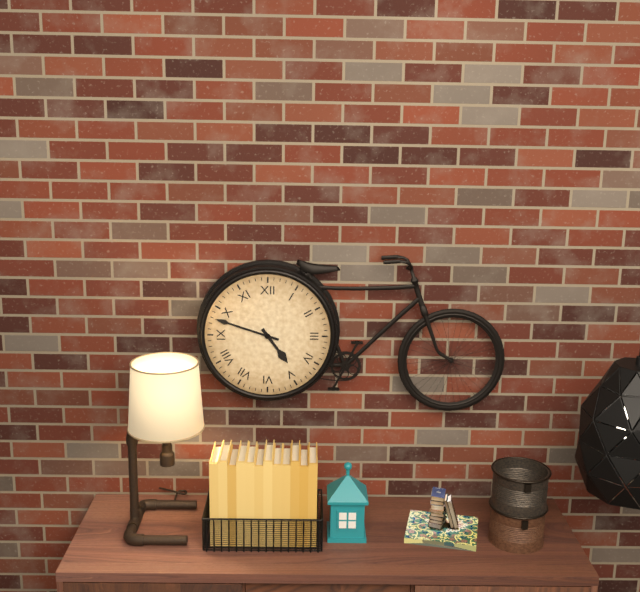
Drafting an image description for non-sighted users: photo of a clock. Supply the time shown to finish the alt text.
4:48
